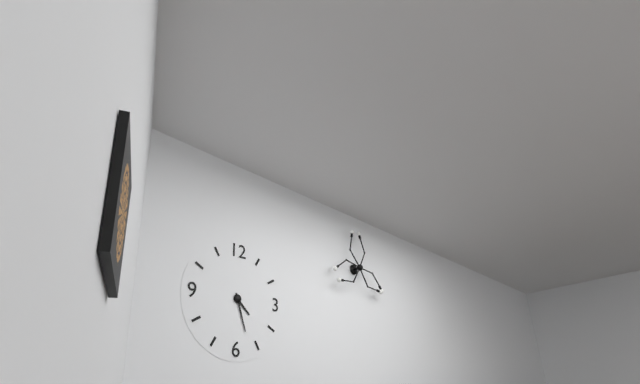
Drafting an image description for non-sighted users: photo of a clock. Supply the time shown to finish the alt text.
4:27
